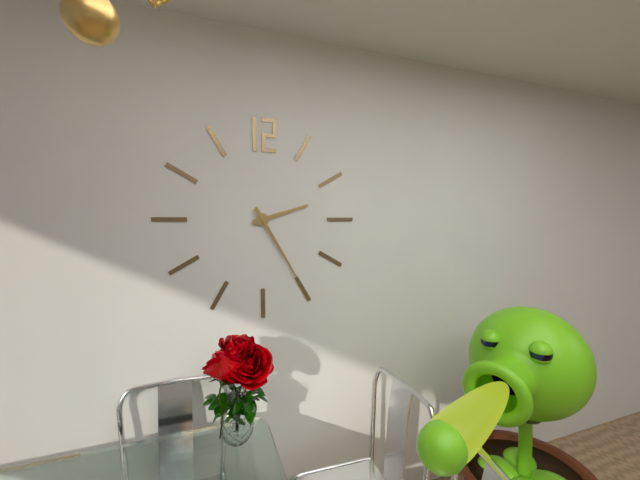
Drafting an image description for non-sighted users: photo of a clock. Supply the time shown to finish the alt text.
2:25
